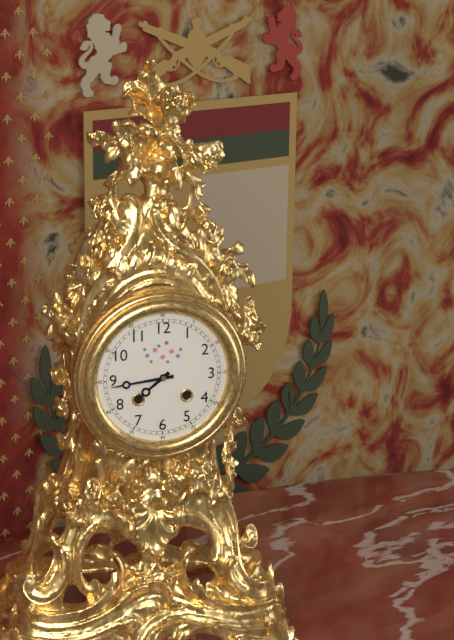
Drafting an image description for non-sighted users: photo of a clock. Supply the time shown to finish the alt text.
7:44
